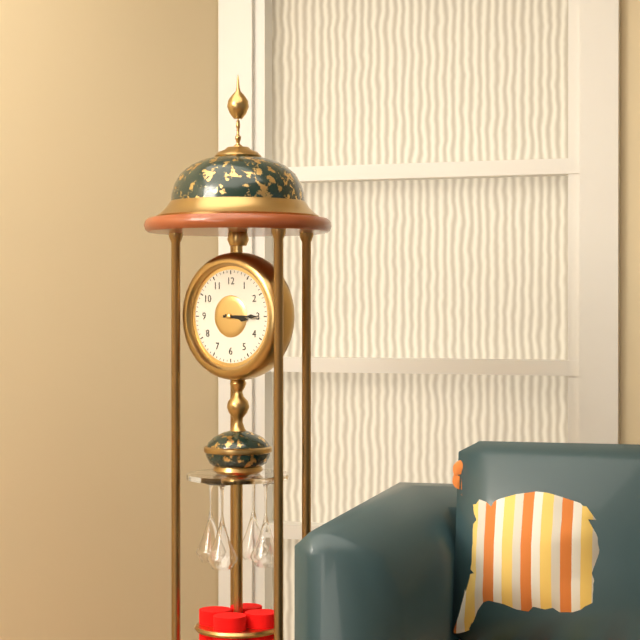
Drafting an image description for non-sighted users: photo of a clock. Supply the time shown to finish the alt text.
3:15
